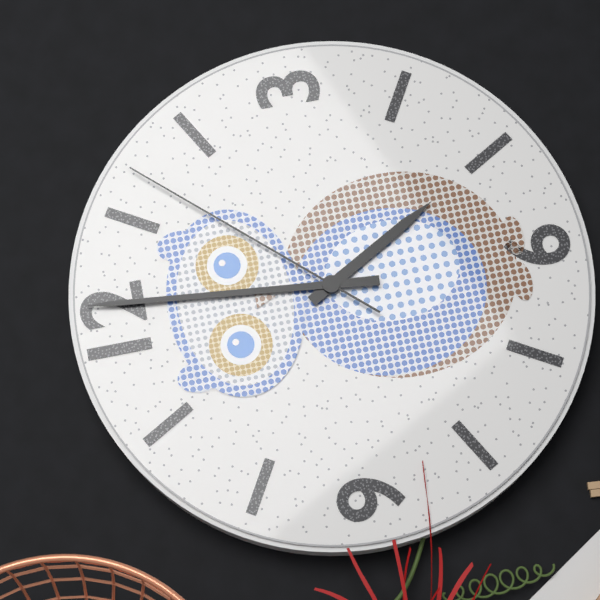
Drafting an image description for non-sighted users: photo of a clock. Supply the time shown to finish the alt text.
5:01:07
